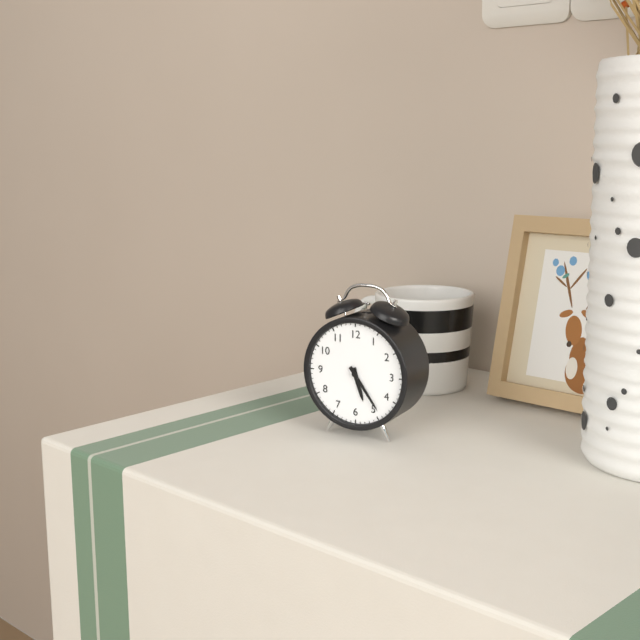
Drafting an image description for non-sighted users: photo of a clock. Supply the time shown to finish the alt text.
5:24
